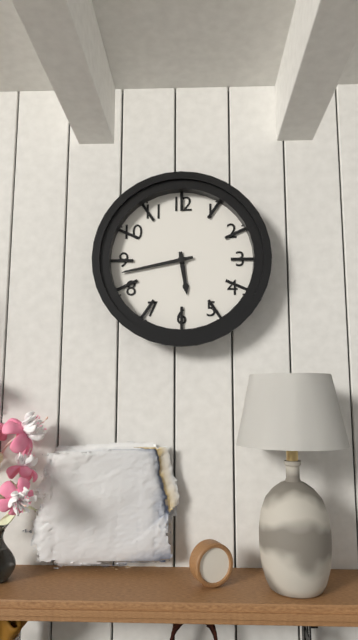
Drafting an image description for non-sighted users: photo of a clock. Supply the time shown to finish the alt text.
5:43
